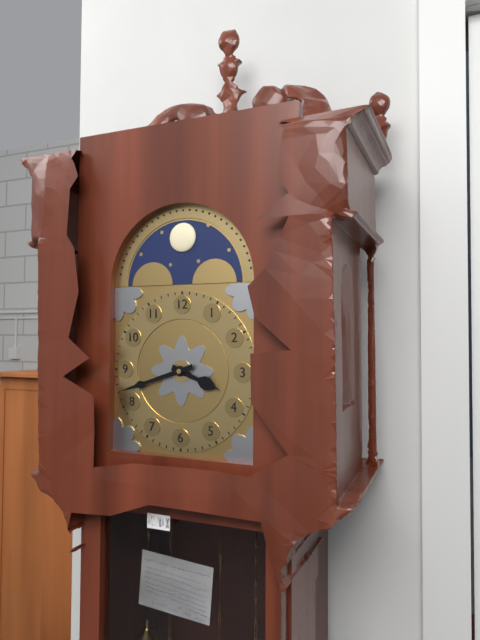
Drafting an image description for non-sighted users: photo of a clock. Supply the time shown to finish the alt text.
3:42
